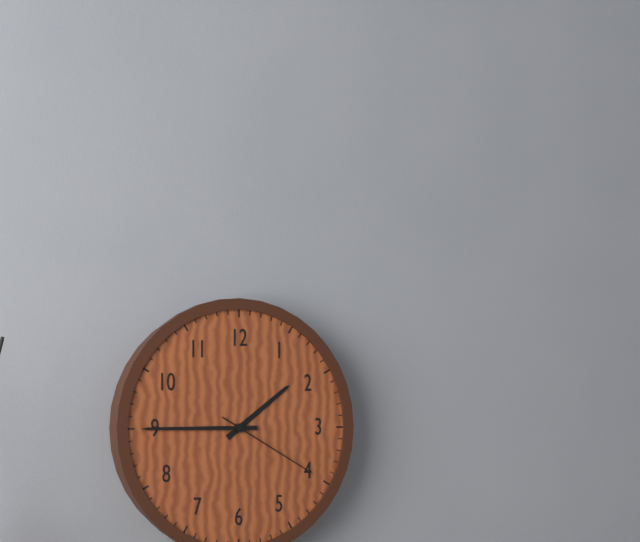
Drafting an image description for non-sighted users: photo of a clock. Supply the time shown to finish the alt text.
1:45:20
